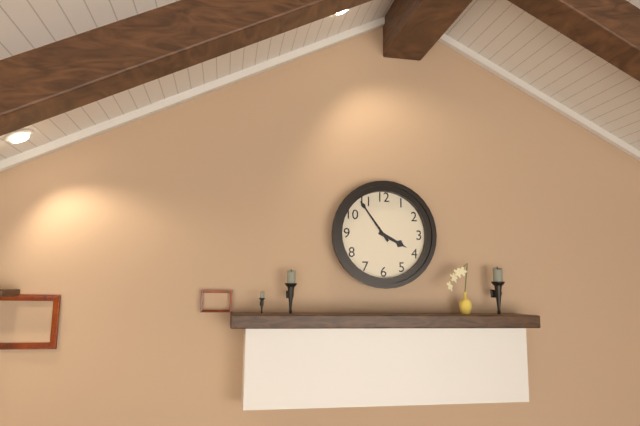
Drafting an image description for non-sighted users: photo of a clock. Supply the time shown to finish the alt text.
3:54
